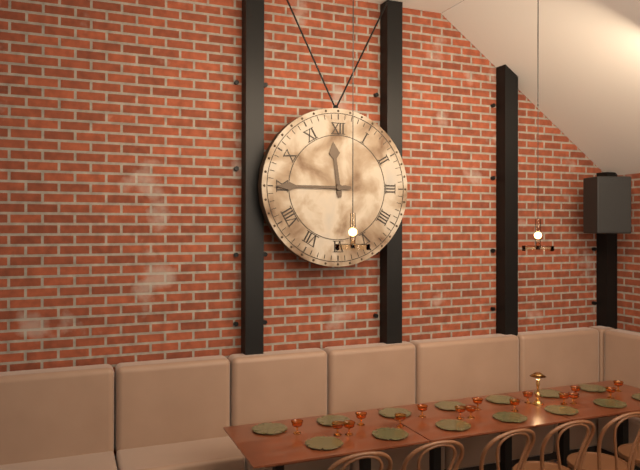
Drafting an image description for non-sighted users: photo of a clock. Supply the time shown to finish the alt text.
11:45
